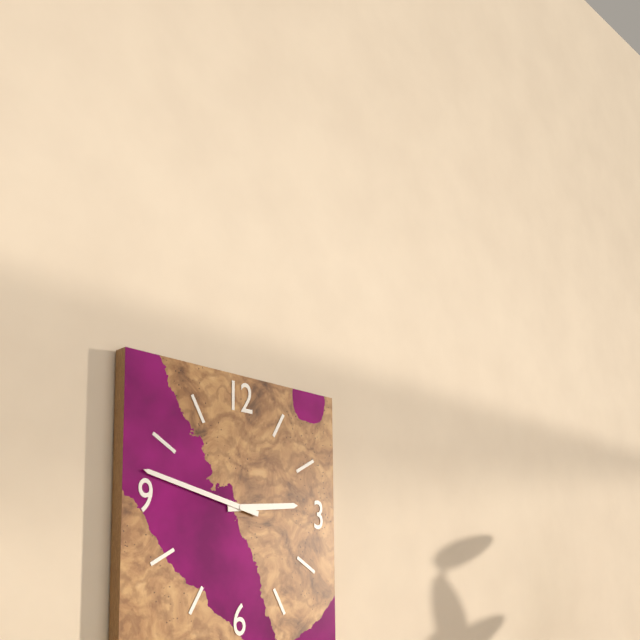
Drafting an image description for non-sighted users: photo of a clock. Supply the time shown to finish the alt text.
2:47
